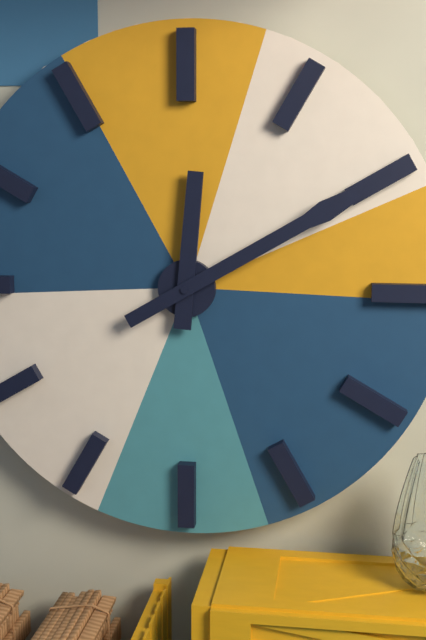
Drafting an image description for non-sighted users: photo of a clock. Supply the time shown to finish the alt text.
12:10
